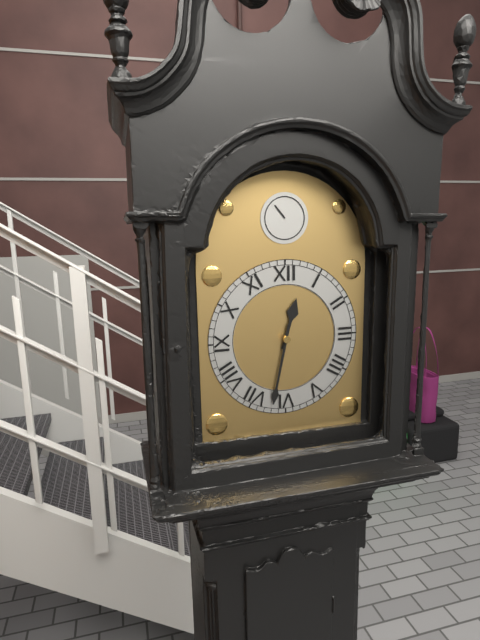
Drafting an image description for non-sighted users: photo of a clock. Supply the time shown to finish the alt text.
12:32
